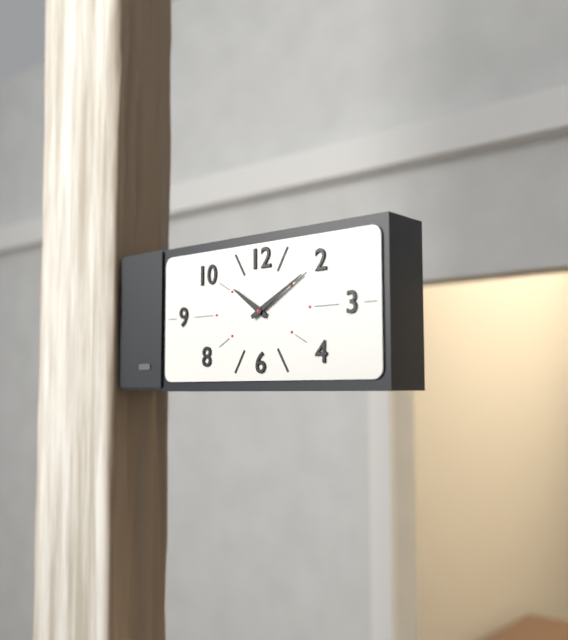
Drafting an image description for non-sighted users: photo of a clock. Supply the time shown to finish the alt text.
10:10
